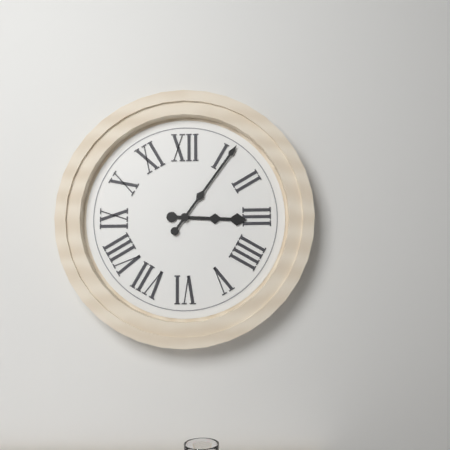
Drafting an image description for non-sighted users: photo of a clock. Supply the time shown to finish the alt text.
3:06
